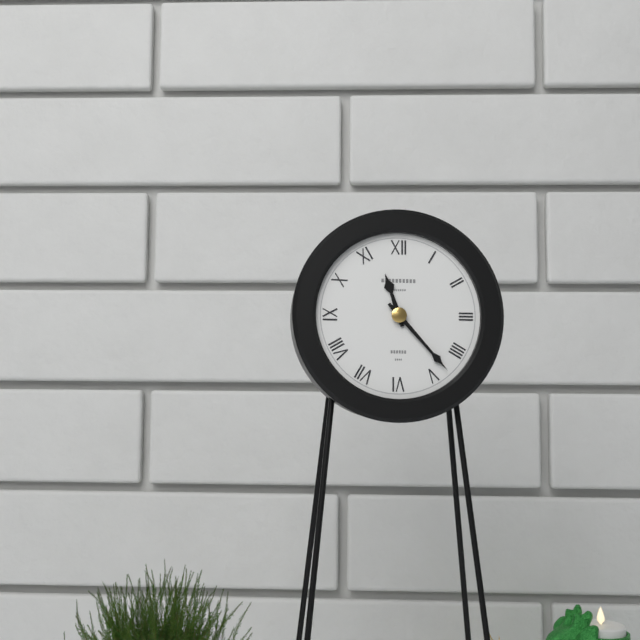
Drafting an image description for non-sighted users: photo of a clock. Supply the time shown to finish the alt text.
11:23
